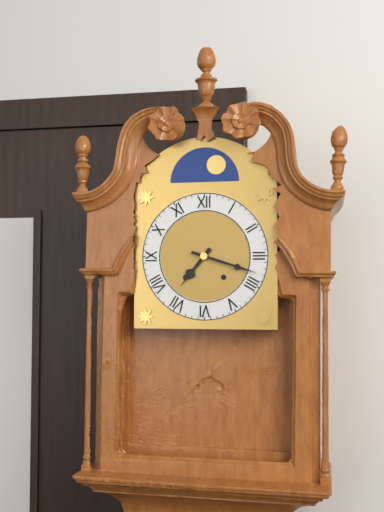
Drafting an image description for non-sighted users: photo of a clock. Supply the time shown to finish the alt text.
7:18
